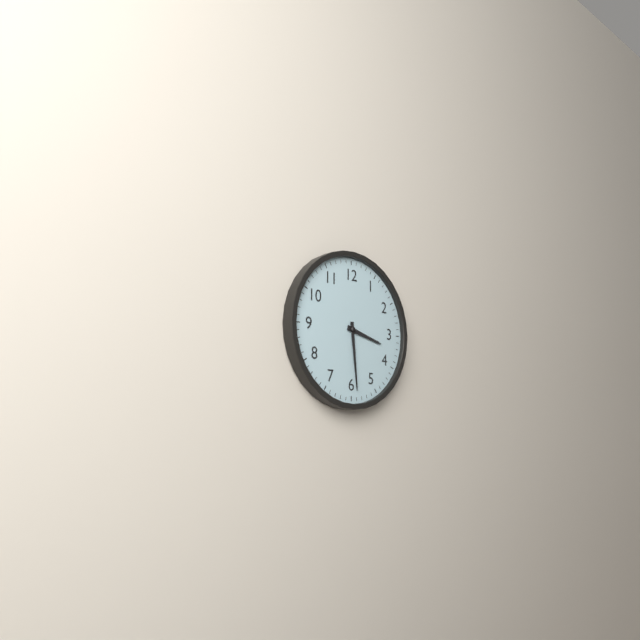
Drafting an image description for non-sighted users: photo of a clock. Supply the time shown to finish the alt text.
3:29
